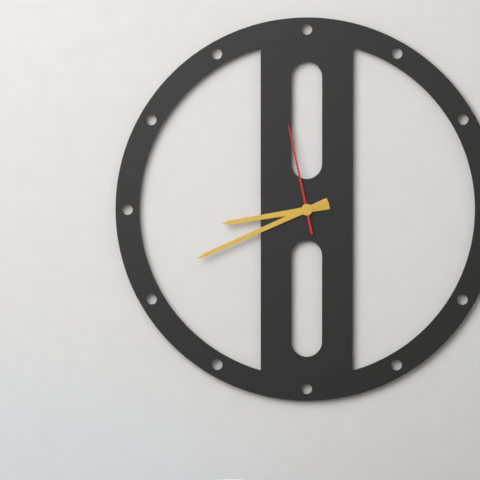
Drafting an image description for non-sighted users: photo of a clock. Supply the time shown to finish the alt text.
8:41:58
